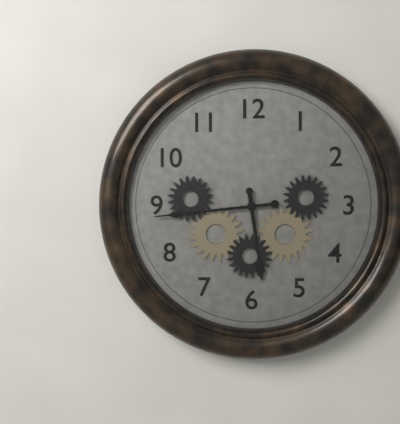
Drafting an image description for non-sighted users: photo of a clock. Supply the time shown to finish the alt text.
5:44
